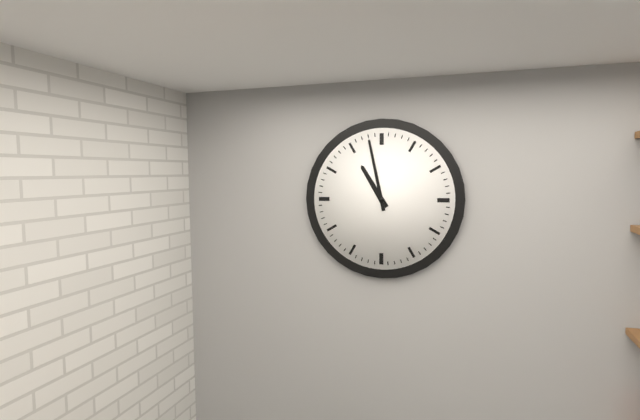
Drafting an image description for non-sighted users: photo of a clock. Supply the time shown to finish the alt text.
10:58
